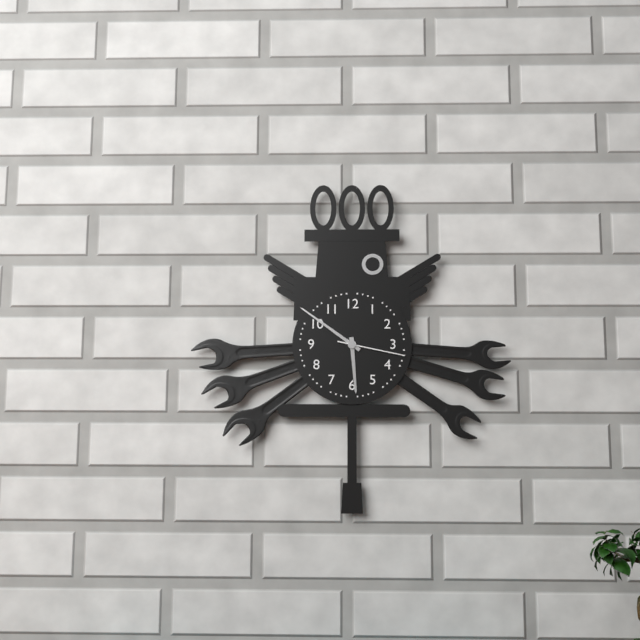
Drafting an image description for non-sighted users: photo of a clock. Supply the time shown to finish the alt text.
5:51:17
